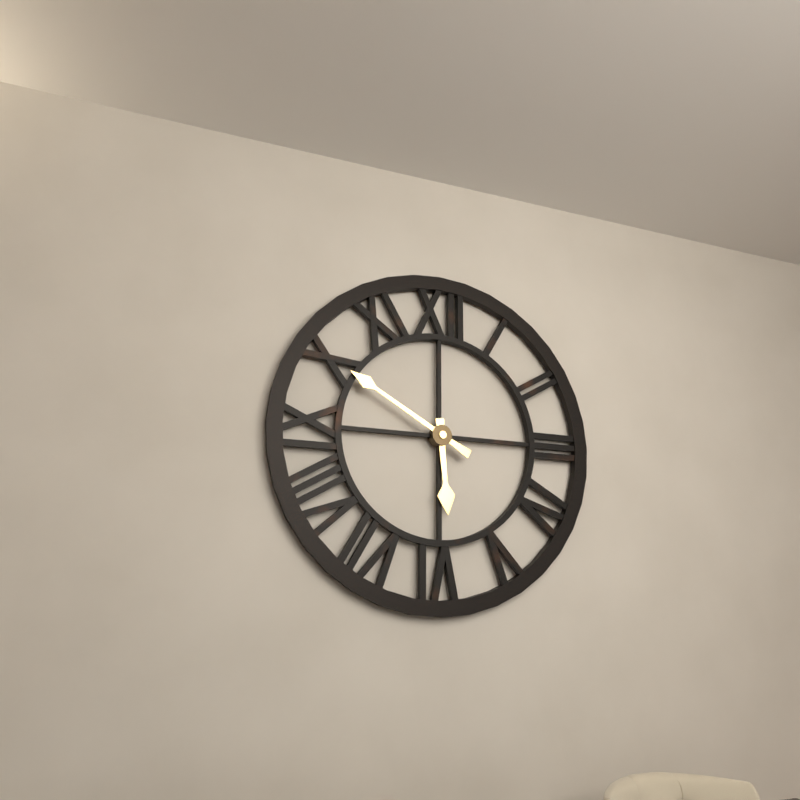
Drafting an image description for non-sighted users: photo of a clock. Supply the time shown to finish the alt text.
5:50
